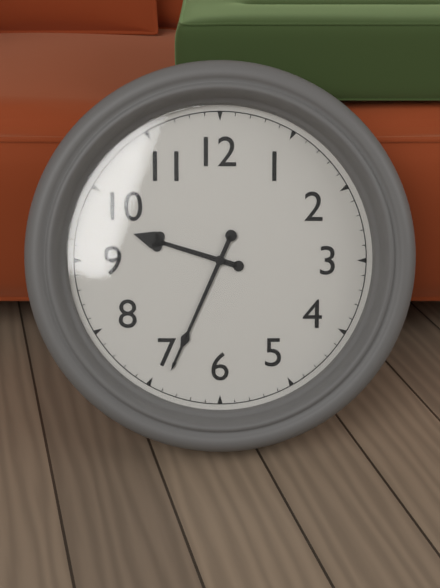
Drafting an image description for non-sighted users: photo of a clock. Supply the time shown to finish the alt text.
9:34
